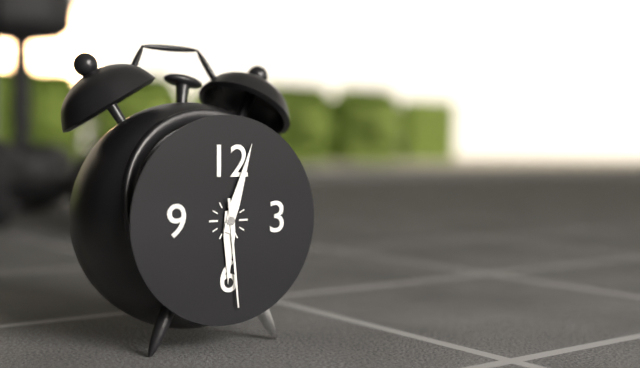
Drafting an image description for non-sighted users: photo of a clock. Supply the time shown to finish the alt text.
6:03:29
